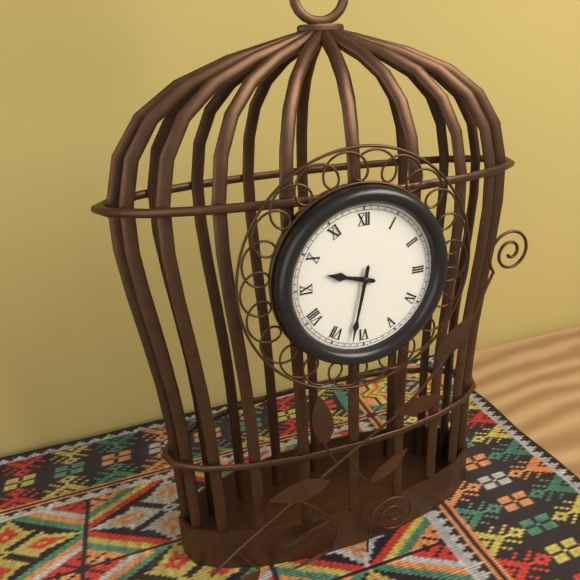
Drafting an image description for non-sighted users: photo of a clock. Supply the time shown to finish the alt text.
9:32
